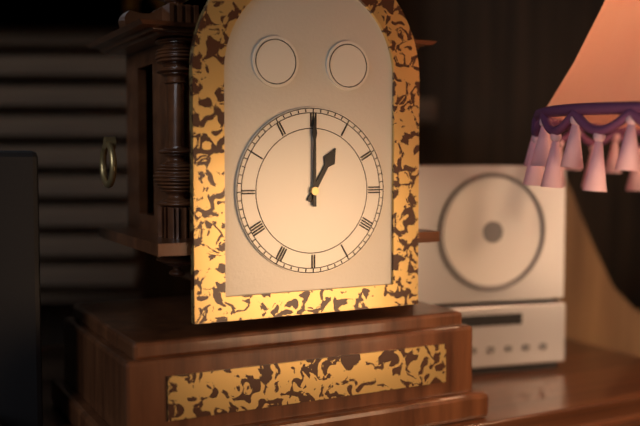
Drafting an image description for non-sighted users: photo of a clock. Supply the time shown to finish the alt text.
1:00
